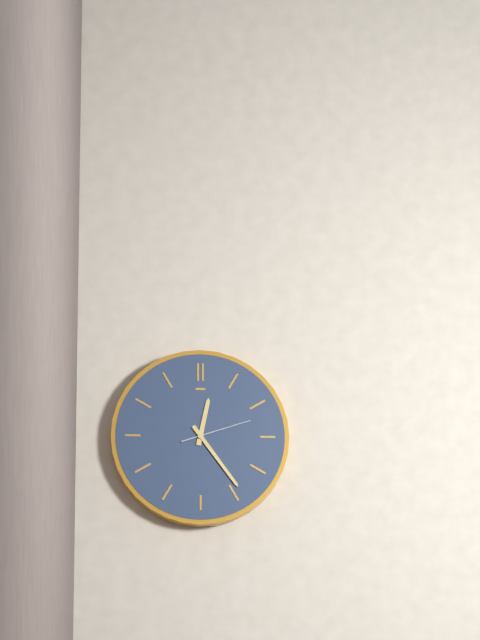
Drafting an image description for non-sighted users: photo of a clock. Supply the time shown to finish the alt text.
12:24:12
